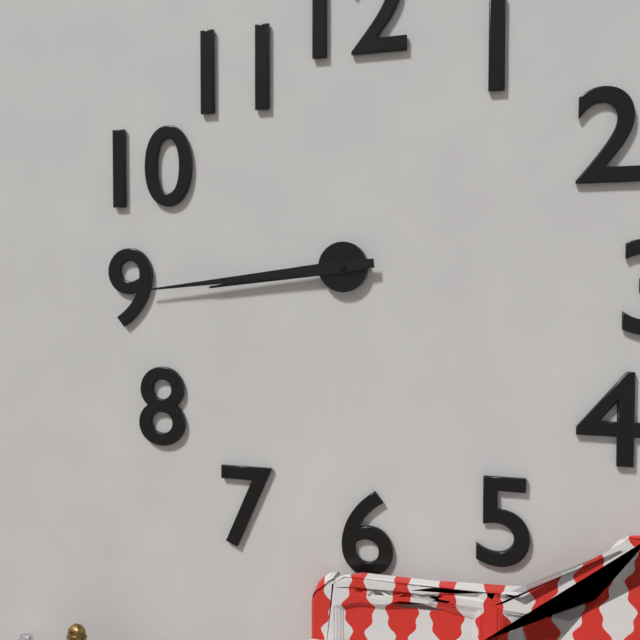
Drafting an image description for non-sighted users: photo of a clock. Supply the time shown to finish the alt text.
8:44
